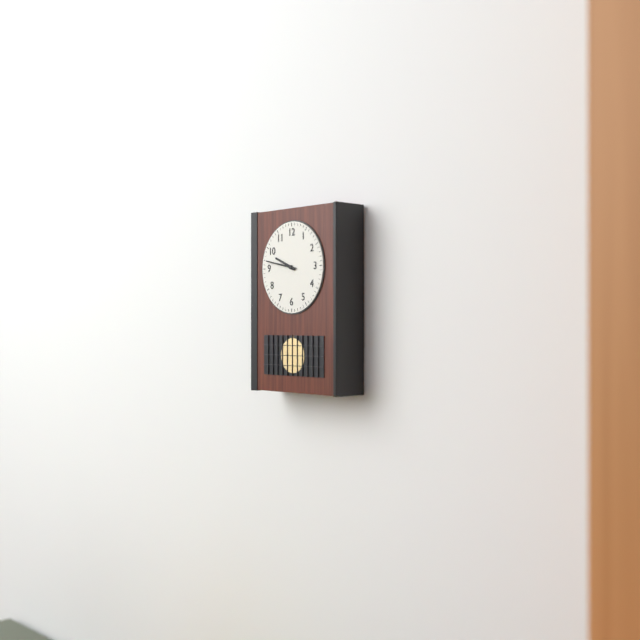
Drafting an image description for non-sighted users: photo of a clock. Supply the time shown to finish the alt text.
9:47
